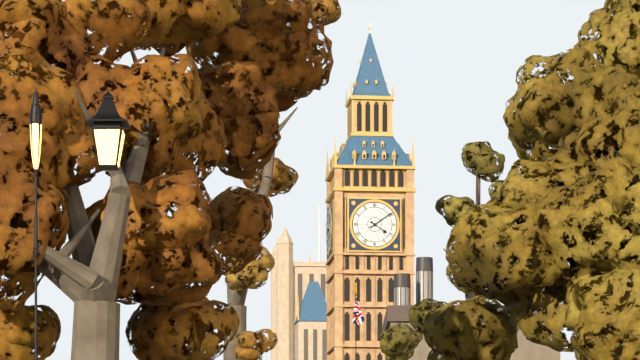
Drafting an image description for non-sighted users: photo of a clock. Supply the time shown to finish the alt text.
4:09
